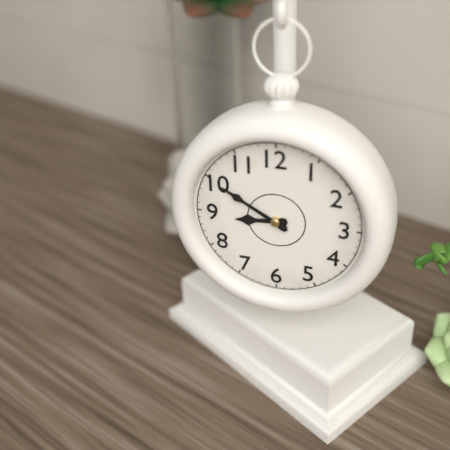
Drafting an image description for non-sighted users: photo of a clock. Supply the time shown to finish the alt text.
8:50
